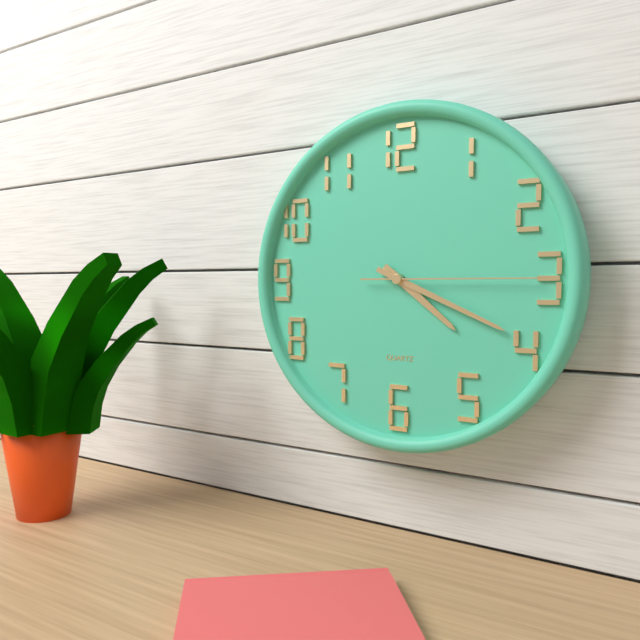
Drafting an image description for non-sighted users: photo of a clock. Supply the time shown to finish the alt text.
4:19:15
